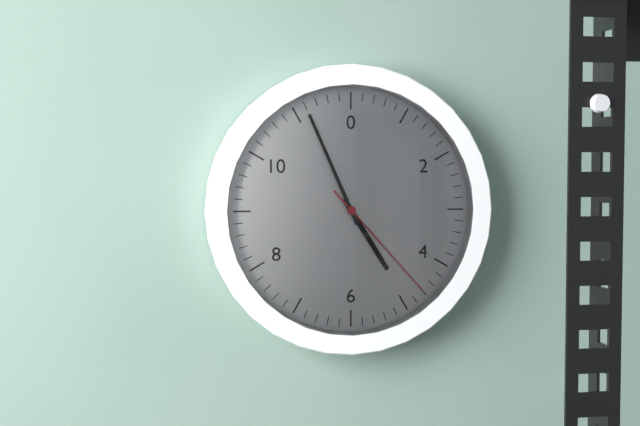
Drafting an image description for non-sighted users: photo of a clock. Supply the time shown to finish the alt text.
4:56:23
